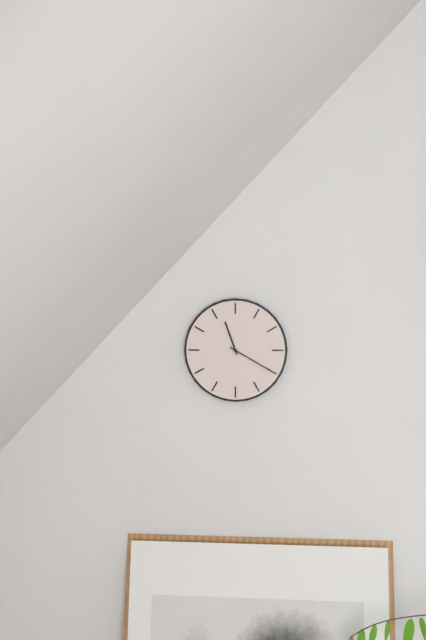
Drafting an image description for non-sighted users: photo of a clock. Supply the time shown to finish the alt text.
11:20
